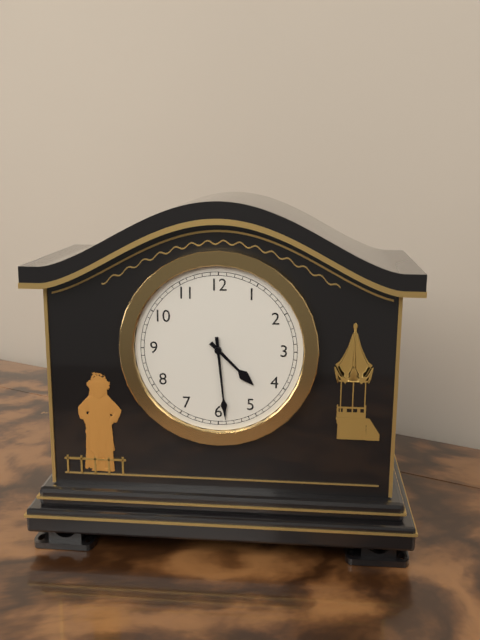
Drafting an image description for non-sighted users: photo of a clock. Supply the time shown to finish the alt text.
4:29
